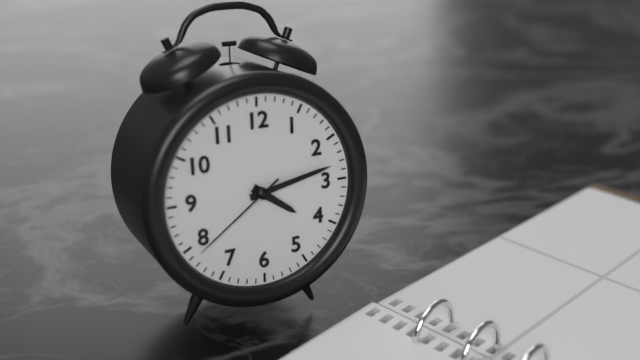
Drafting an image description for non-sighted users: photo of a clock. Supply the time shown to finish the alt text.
4:13:39
